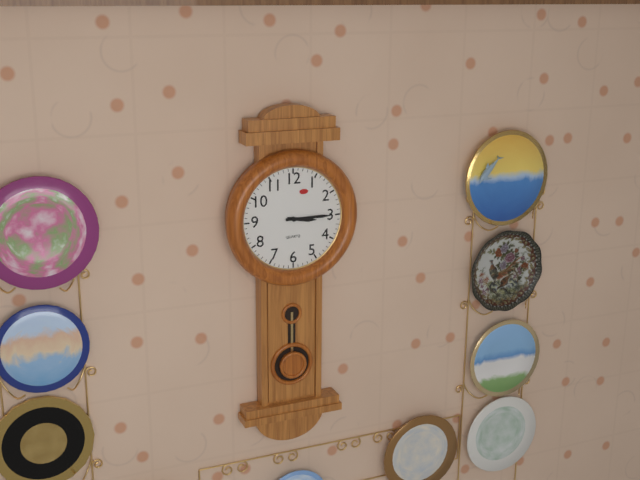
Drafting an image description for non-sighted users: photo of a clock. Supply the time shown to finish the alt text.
3:15
